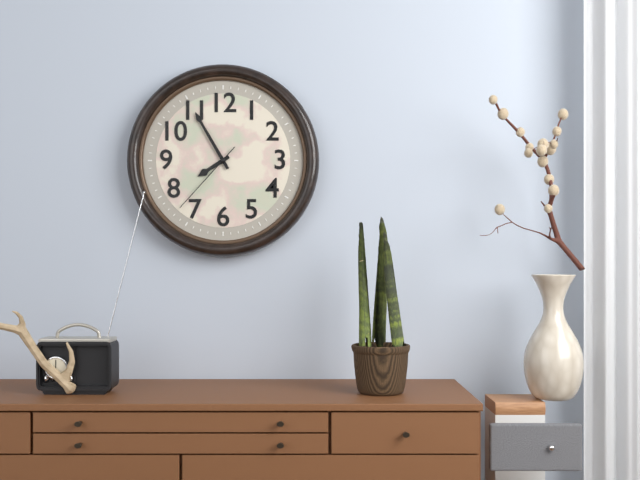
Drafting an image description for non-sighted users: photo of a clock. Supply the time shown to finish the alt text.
7:55:37
